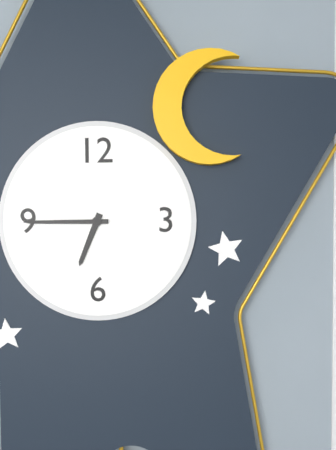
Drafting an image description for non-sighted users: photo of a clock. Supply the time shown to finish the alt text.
6:45
